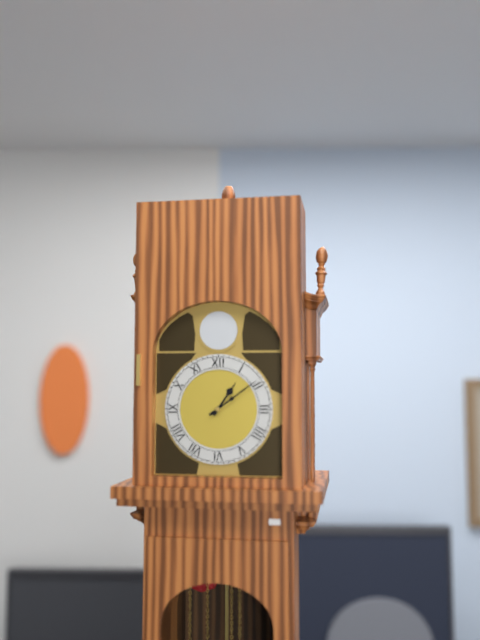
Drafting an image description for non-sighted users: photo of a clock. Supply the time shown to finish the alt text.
1:09
